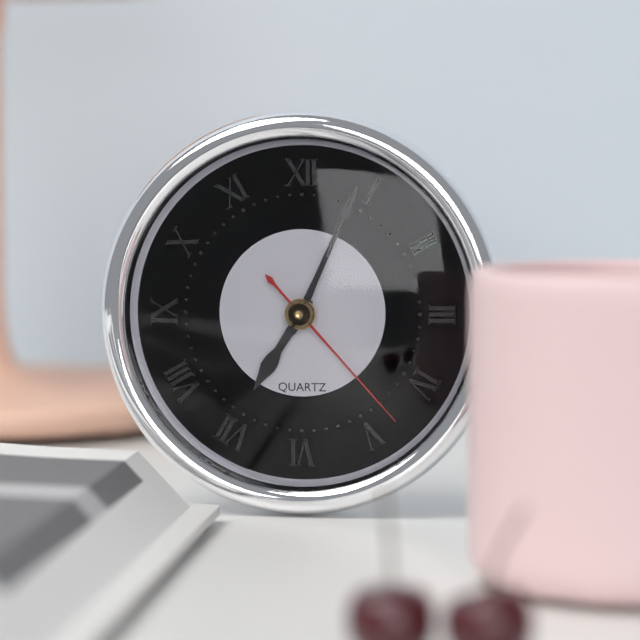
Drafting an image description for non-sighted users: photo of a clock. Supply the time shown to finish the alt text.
7:04:23
